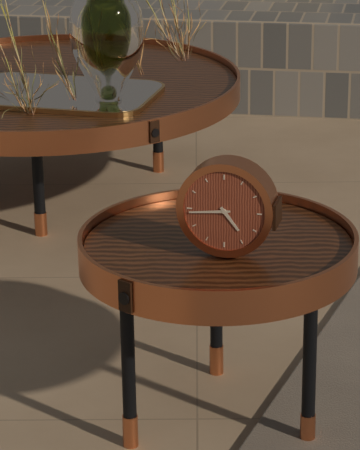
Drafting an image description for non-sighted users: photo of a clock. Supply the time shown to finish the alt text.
4:44
